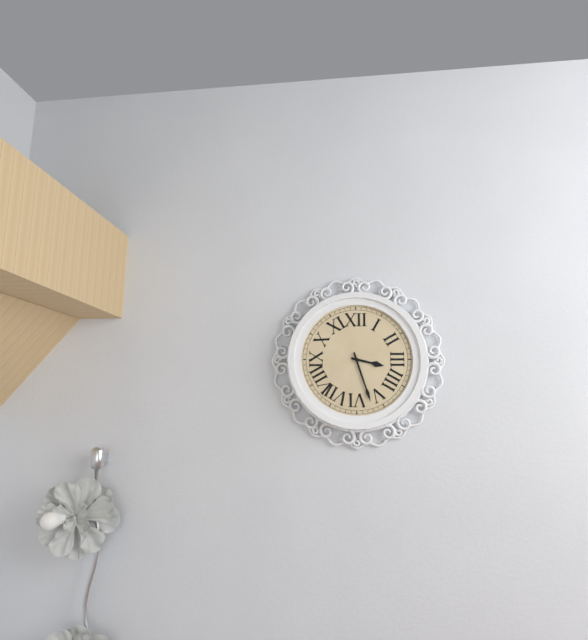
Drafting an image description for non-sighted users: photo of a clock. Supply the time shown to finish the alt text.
3:27
